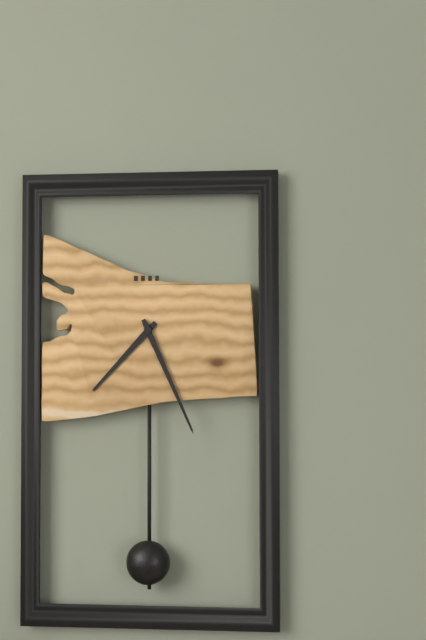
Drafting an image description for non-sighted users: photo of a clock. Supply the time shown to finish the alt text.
7:26
